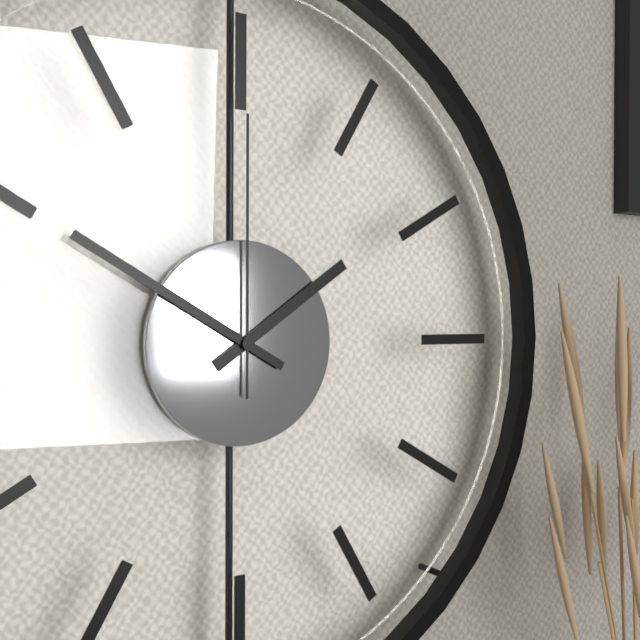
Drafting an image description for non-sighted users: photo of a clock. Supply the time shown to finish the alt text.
1:50:00
